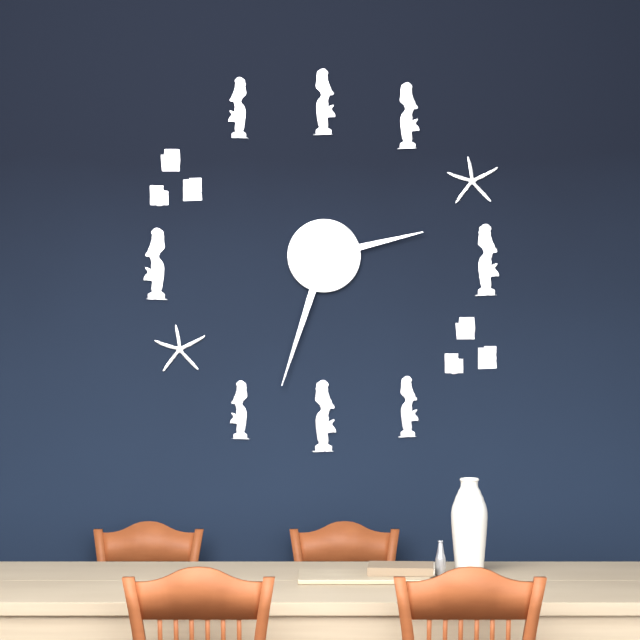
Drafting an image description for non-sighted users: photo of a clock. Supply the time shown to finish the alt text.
2:33
